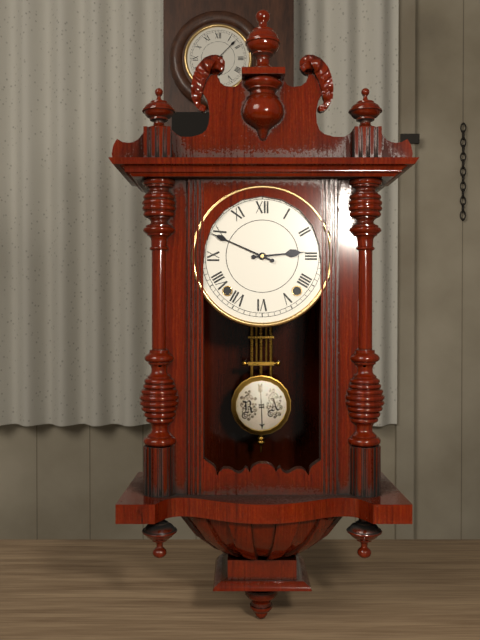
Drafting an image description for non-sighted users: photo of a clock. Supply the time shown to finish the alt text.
2:49
